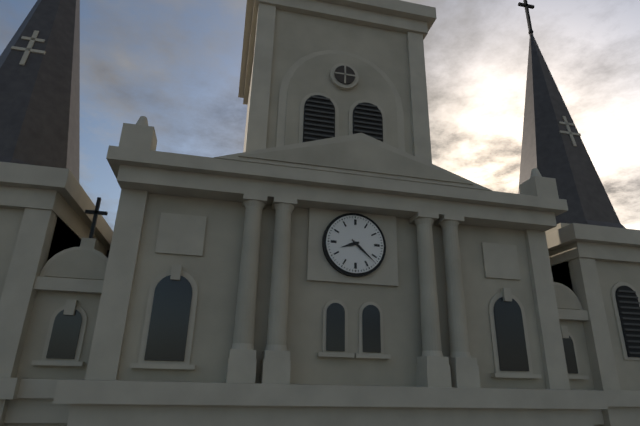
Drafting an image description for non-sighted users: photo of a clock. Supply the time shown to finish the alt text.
8:22
